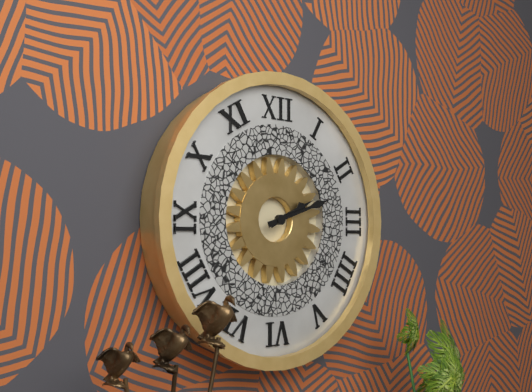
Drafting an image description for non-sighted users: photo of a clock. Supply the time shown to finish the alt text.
2:12
